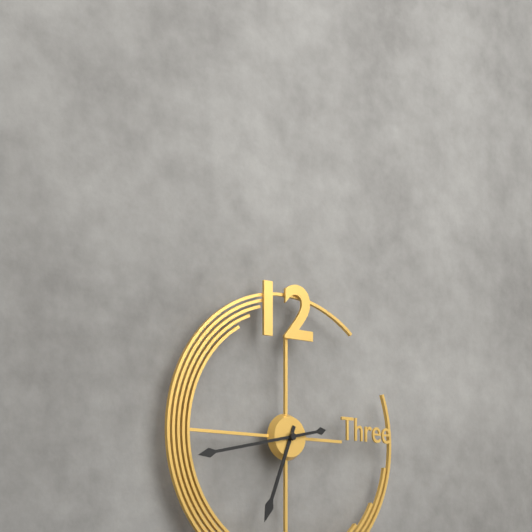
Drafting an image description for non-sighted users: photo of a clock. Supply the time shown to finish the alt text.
6:43
